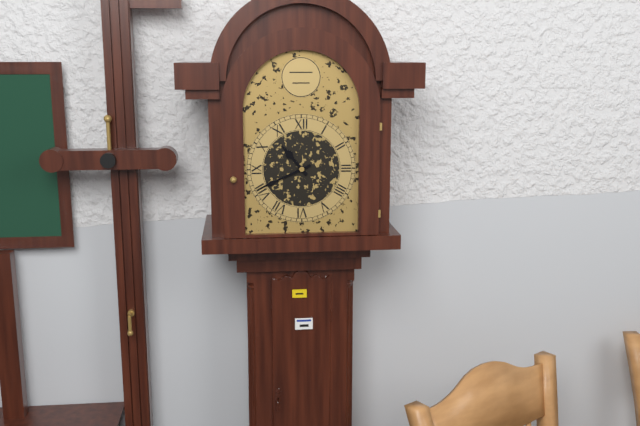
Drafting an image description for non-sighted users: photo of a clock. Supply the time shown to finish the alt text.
10:41
